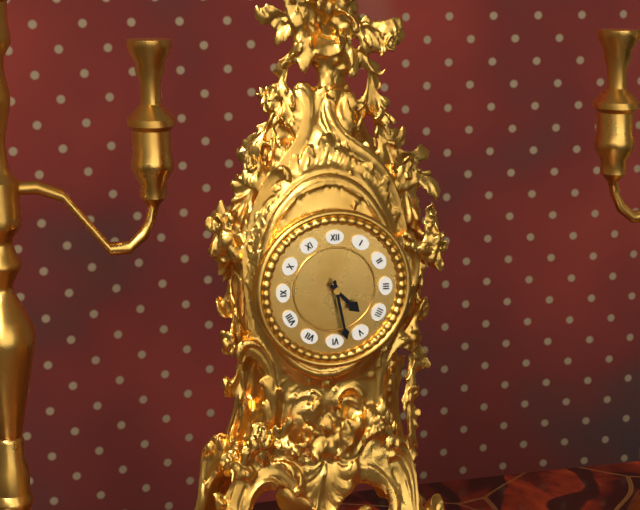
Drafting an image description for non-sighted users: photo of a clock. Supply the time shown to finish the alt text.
4:28
